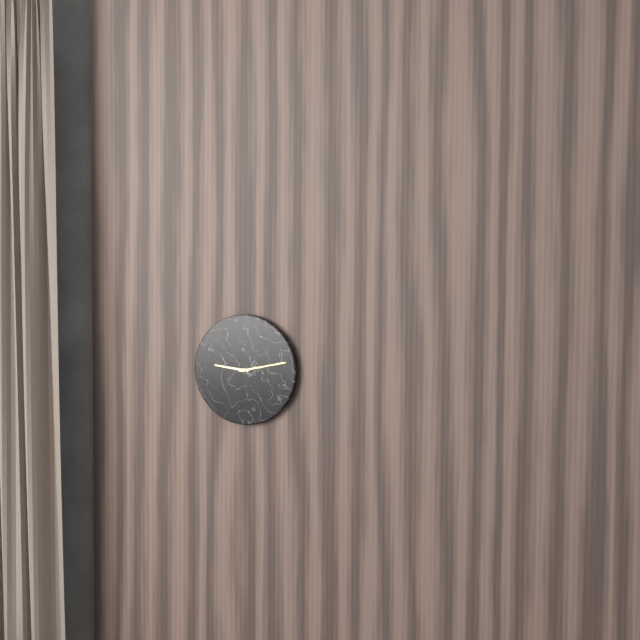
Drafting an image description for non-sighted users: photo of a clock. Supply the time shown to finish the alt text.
9:13
